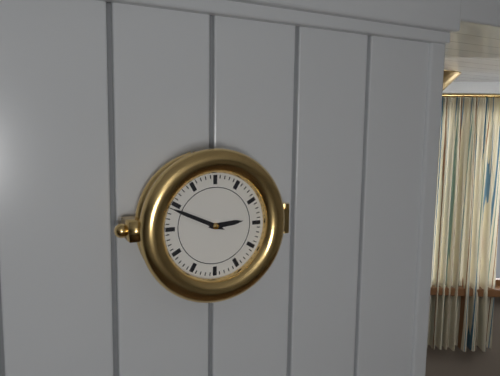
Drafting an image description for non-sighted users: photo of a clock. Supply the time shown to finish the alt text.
2:49
